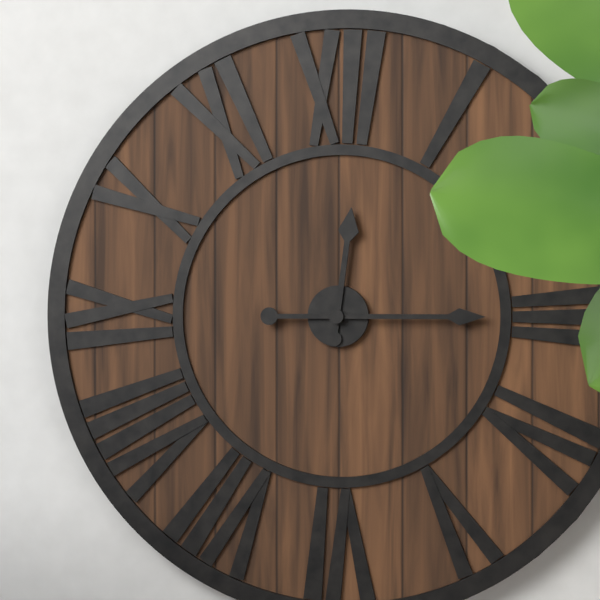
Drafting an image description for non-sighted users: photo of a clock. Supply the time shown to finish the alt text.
12:15
